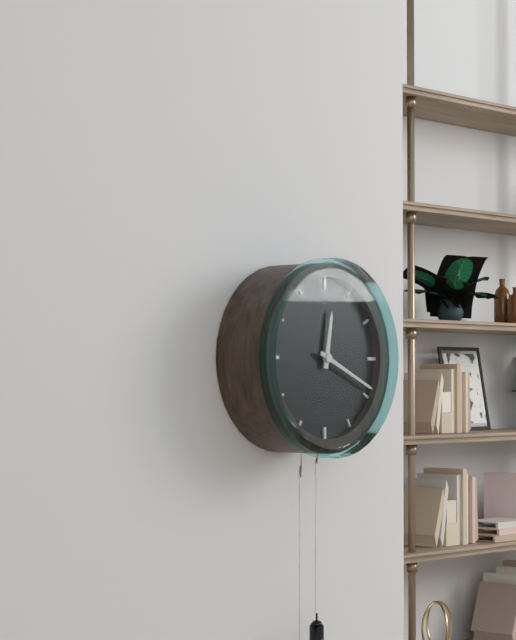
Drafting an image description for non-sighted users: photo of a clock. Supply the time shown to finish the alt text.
12:19
